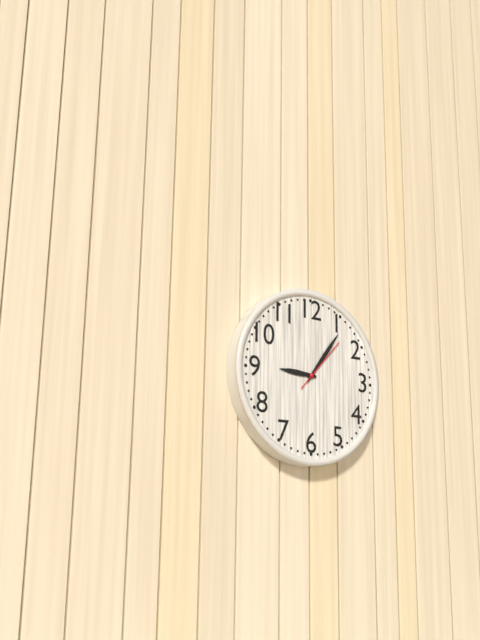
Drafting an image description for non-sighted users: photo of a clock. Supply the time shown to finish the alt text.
9:06:07
